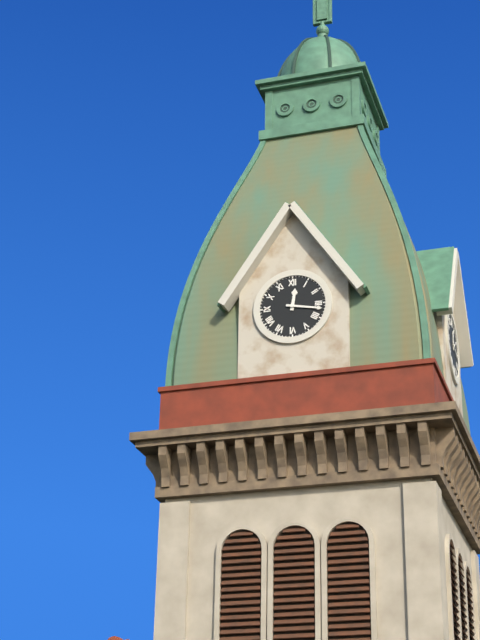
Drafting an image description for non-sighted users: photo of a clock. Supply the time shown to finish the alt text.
12:17
